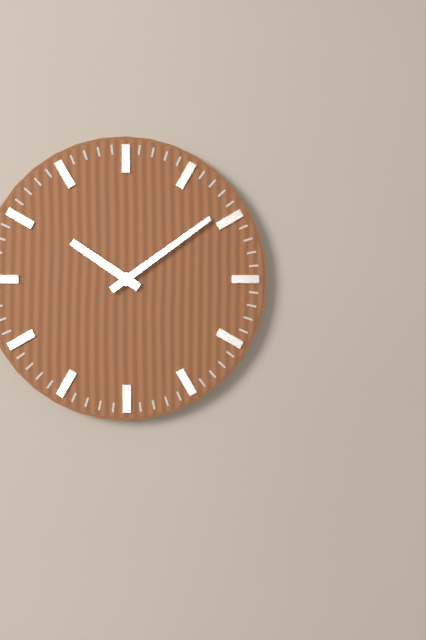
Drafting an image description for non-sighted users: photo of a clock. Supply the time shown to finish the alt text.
10:09
